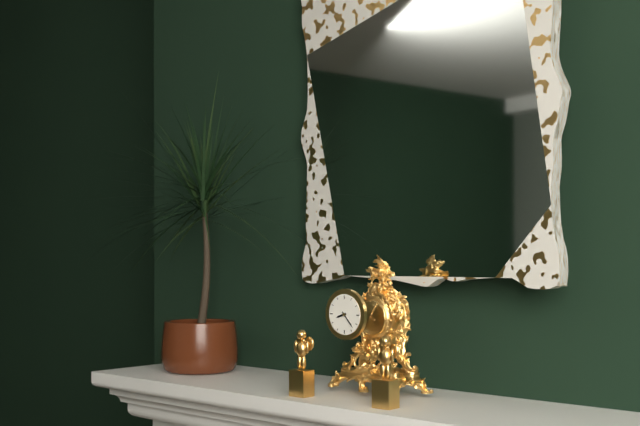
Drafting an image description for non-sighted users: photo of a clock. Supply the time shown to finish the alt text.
8:23
